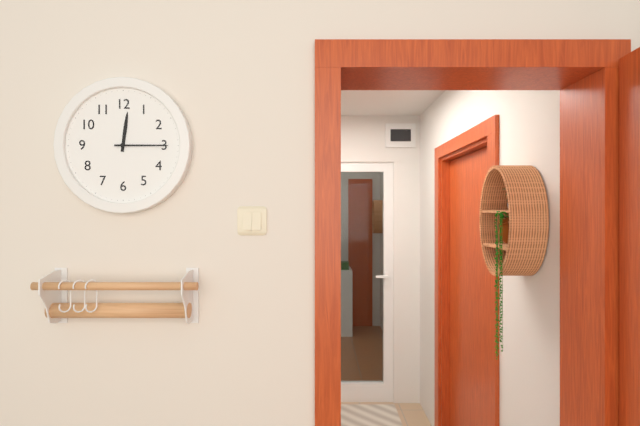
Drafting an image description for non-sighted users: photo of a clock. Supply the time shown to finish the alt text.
12:15
